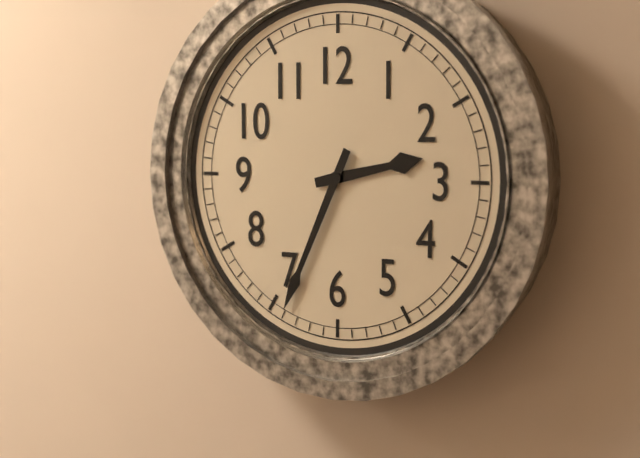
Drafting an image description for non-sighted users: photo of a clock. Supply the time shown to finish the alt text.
2:34
